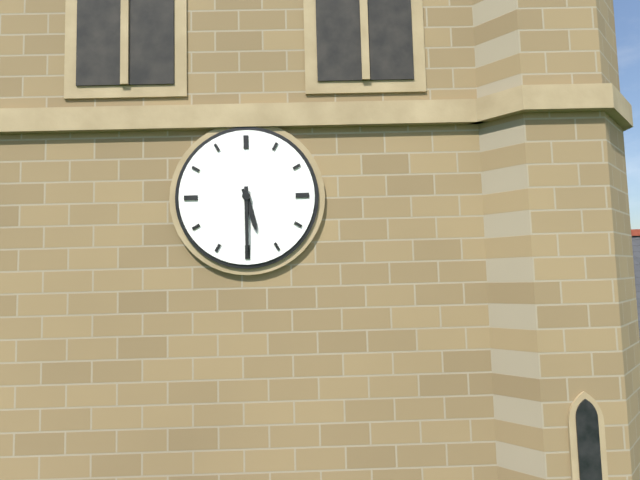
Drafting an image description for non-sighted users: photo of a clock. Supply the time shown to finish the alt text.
5:30
